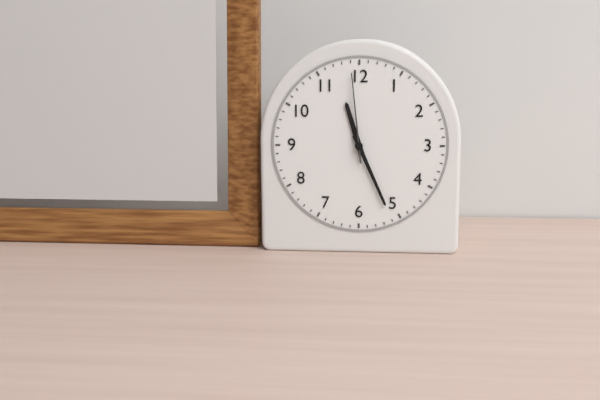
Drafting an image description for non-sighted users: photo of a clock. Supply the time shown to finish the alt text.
11:26:59
